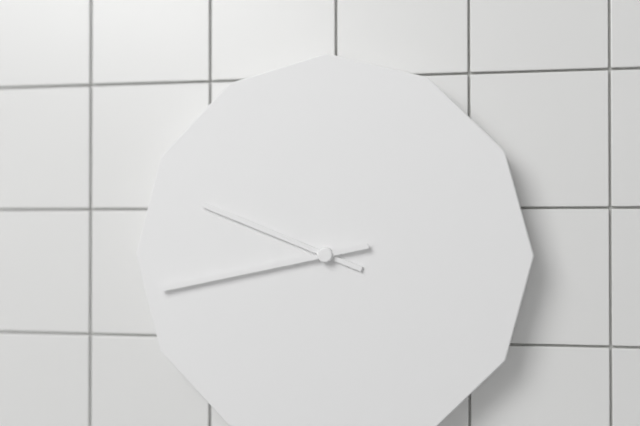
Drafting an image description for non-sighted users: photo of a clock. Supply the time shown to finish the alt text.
9:43
